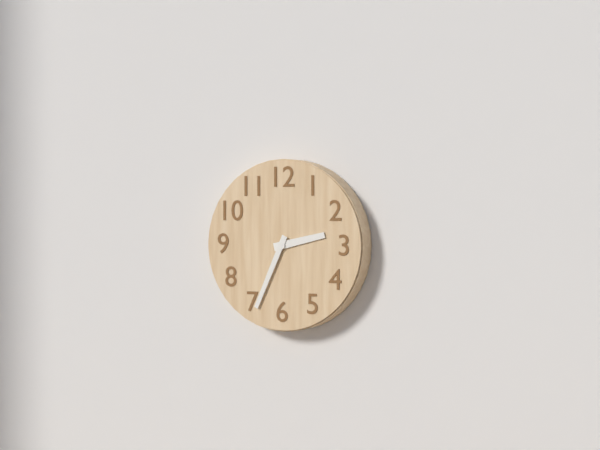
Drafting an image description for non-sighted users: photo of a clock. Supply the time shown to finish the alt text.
2:34
